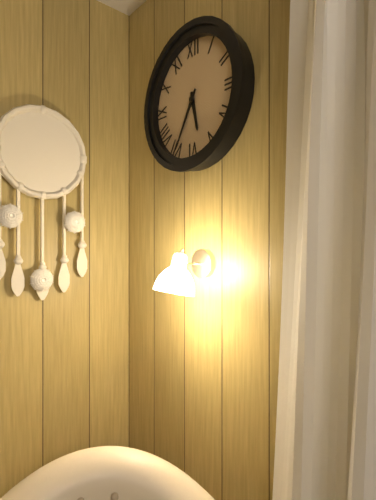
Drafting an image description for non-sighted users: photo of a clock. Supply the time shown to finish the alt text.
5:35
